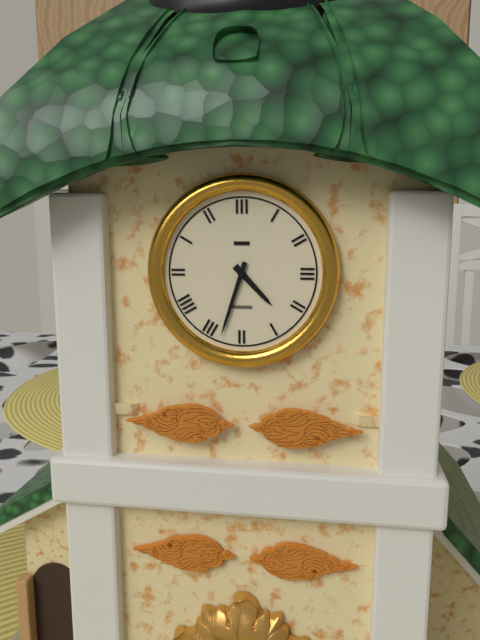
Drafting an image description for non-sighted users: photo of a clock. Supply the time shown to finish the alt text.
4:33
